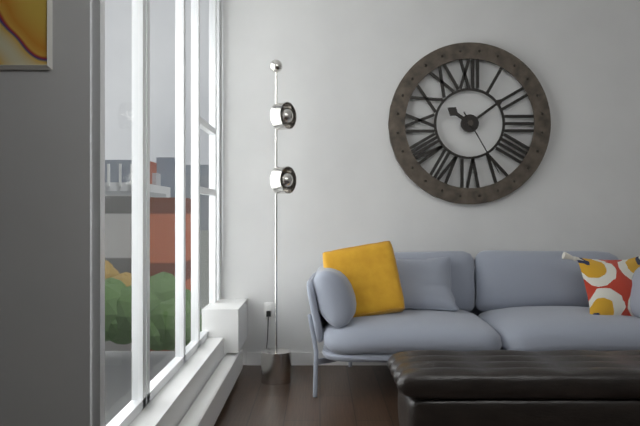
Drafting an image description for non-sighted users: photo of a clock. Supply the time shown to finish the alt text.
10:09:25
